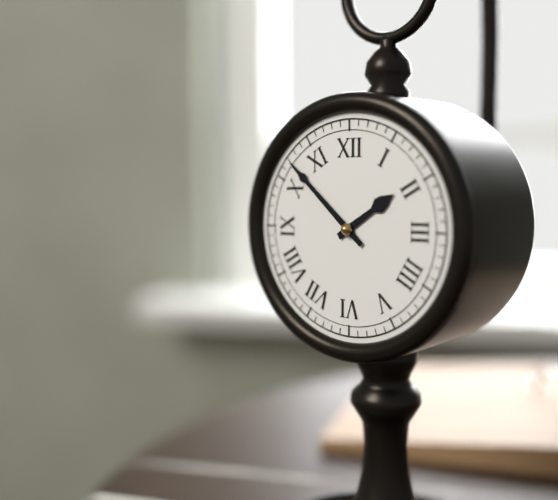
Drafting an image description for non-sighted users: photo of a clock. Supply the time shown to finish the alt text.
1:52
